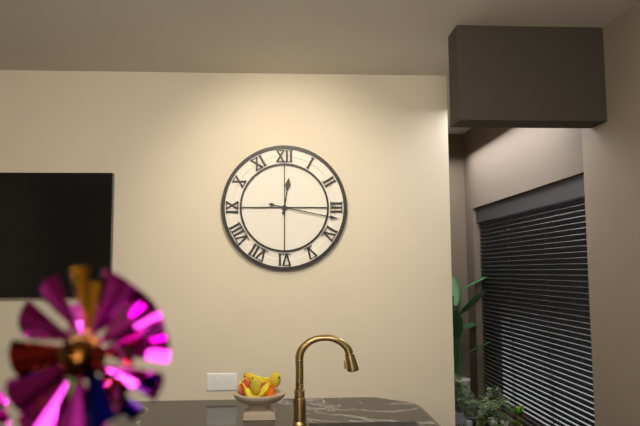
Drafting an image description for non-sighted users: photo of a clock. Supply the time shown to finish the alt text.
12:17
